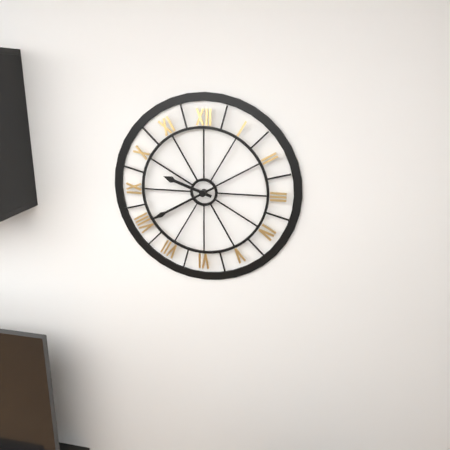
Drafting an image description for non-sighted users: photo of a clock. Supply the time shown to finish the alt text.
9:40
